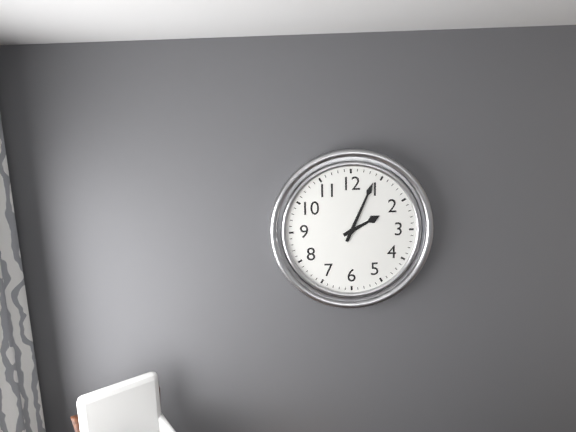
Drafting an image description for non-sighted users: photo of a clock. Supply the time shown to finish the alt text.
2:04
